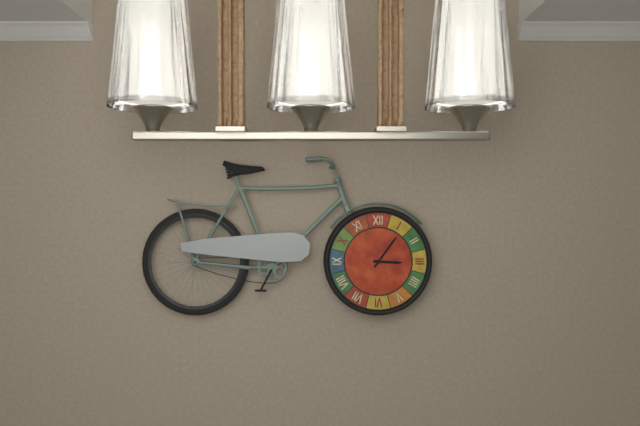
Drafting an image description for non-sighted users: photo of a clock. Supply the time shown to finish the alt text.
3:06
